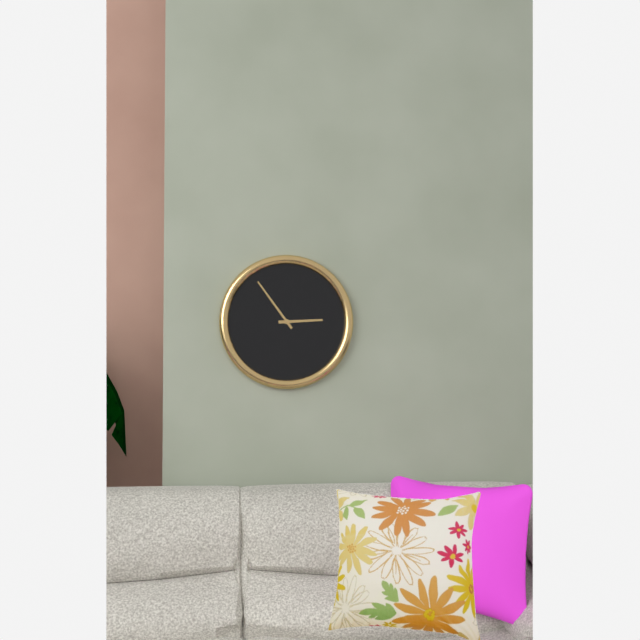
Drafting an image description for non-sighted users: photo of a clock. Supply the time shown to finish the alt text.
2:54
